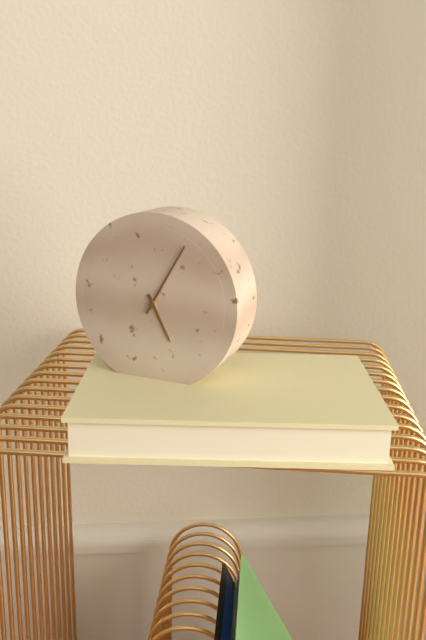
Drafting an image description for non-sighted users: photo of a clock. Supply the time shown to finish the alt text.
5:05
